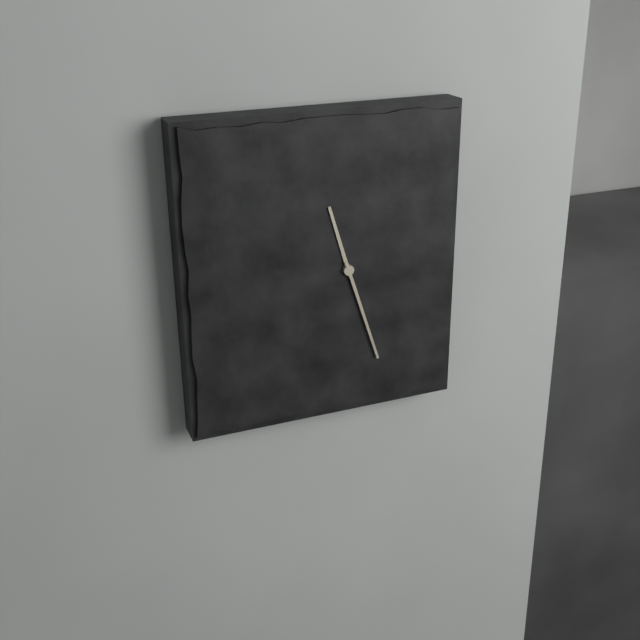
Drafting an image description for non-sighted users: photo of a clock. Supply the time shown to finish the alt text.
11:27
